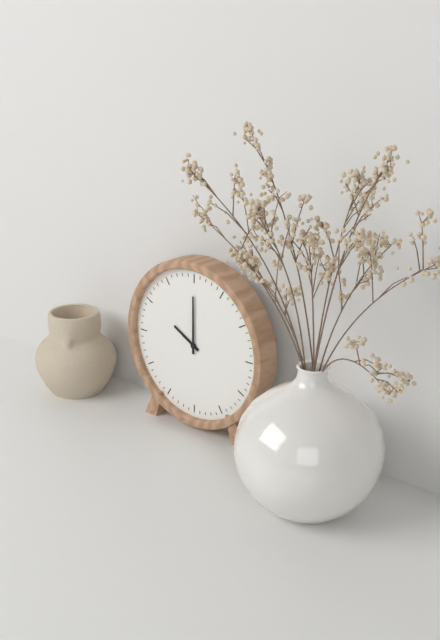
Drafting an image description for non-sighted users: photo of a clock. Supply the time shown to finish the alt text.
10:00
